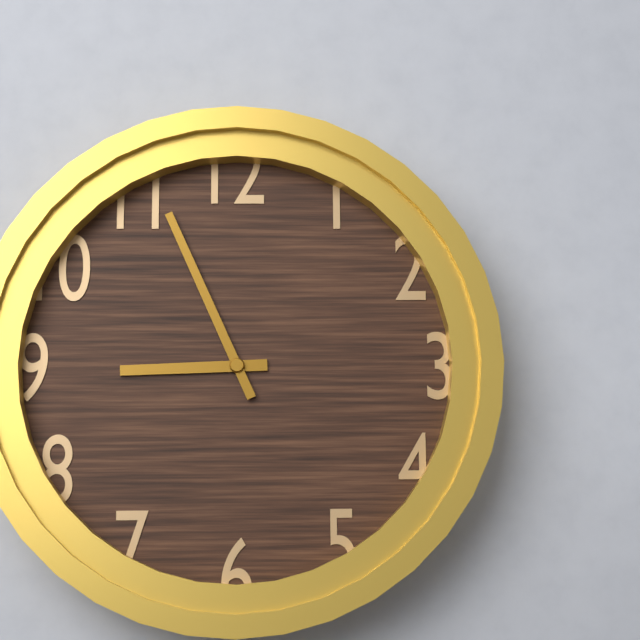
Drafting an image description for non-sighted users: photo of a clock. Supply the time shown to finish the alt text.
8:56
